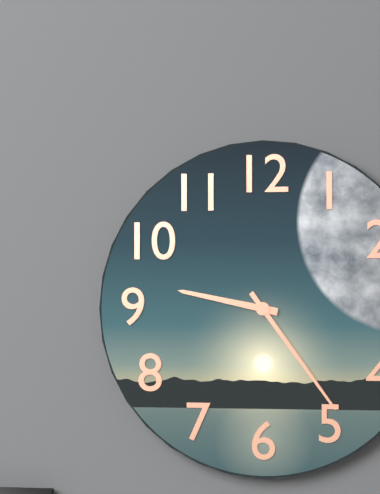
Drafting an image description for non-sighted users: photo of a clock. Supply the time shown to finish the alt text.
9:24
